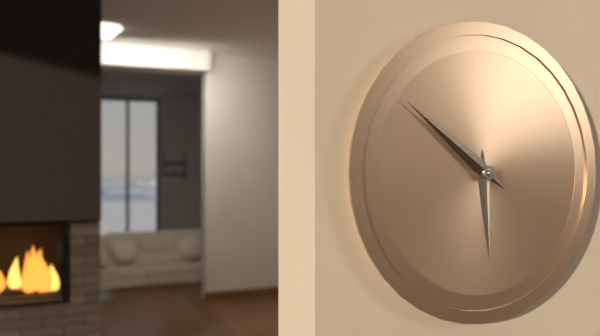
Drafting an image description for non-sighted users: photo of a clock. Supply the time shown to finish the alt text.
5:51
